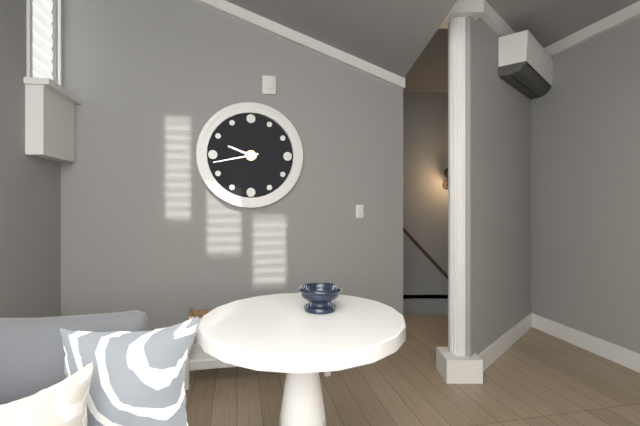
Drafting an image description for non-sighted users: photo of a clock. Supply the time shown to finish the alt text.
9:43
